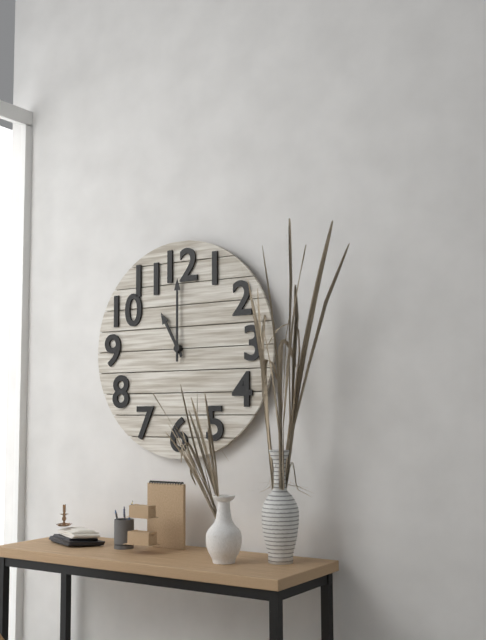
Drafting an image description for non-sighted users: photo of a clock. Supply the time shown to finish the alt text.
11:00
